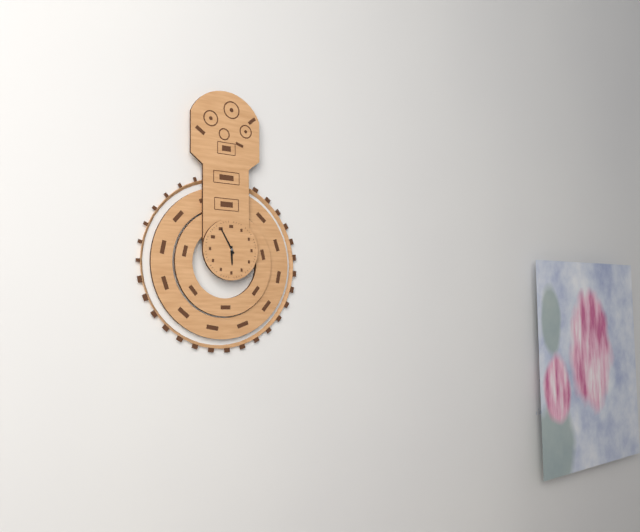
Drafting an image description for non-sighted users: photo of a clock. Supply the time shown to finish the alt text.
5:55
